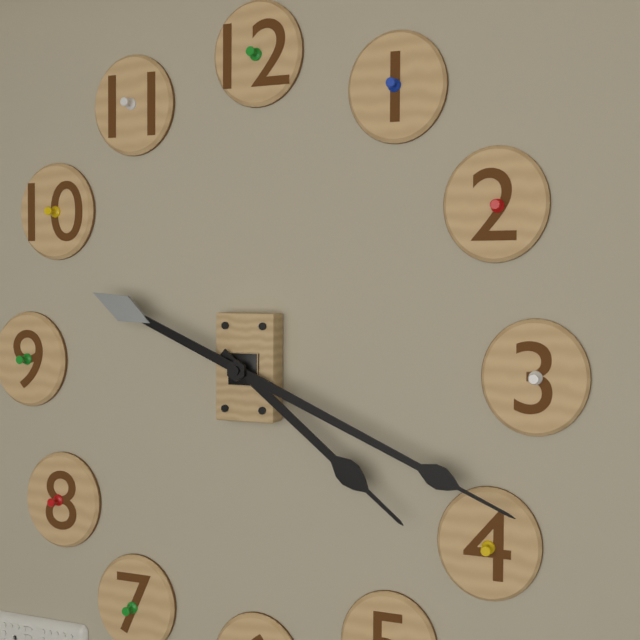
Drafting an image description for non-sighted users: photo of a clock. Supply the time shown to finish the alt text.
4:19
